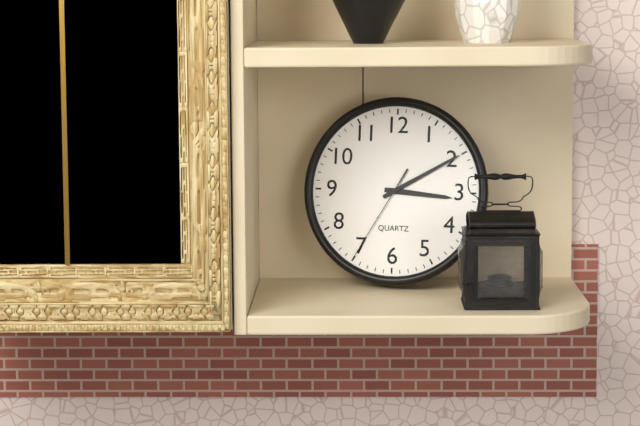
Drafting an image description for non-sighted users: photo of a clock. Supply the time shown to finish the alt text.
3:10:35
